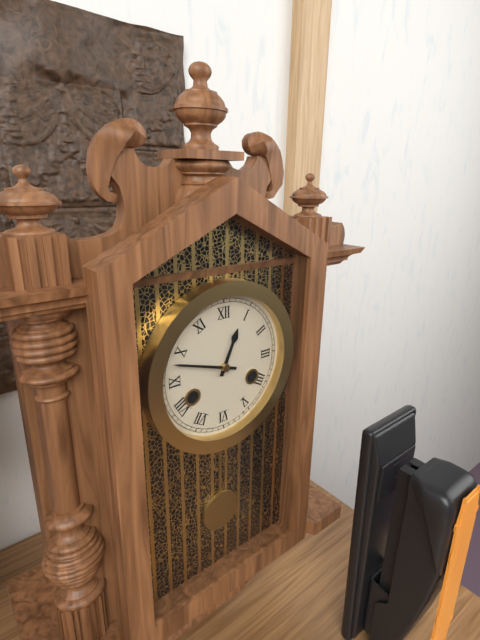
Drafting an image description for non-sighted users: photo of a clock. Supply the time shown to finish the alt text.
12:48
